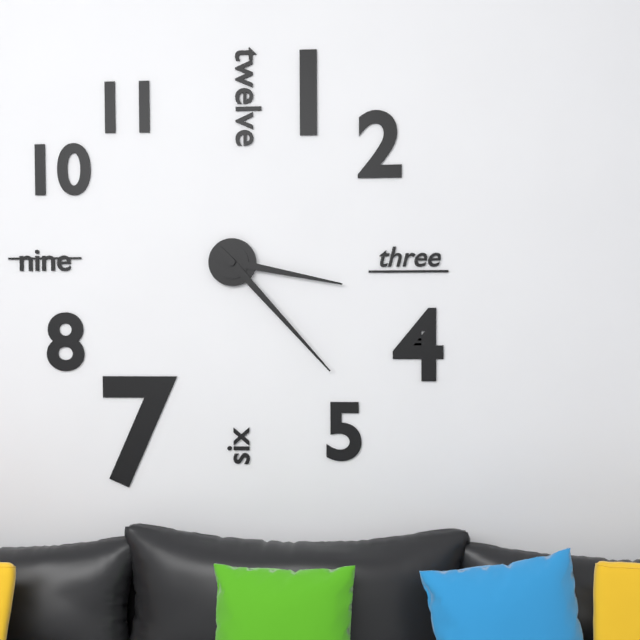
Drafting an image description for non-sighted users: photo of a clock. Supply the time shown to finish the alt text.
3:23
